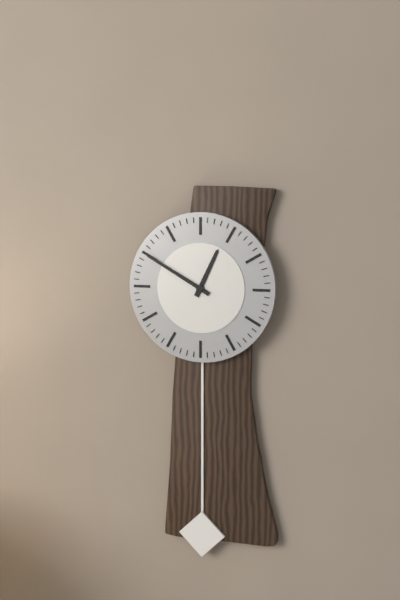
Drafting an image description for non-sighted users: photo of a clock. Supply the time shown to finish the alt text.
12:50
